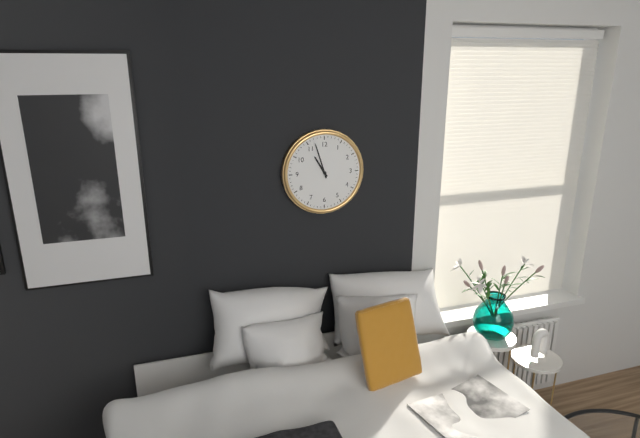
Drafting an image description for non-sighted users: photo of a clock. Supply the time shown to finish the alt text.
10:57
